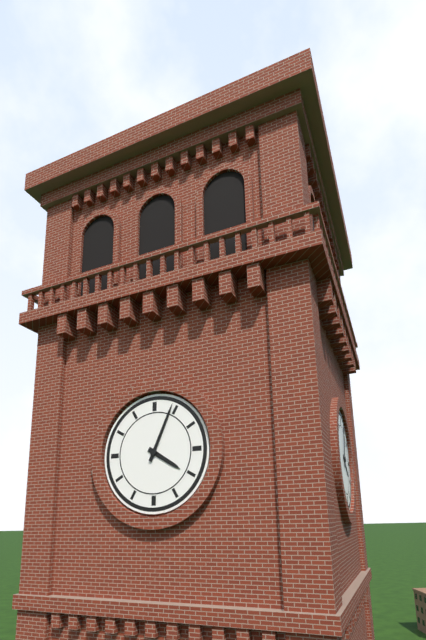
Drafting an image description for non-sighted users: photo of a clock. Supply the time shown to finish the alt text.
4:04
